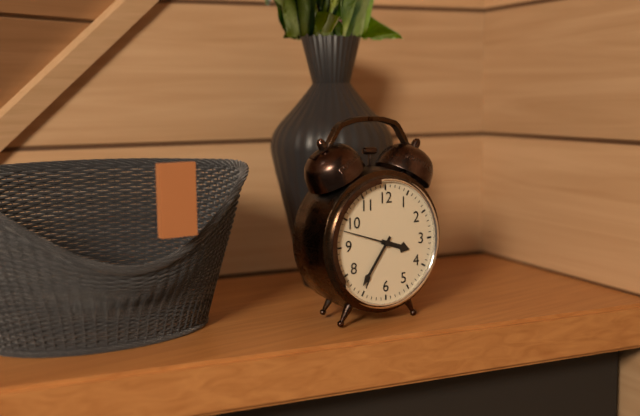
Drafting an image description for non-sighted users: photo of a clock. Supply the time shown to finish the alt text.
3:36:48
